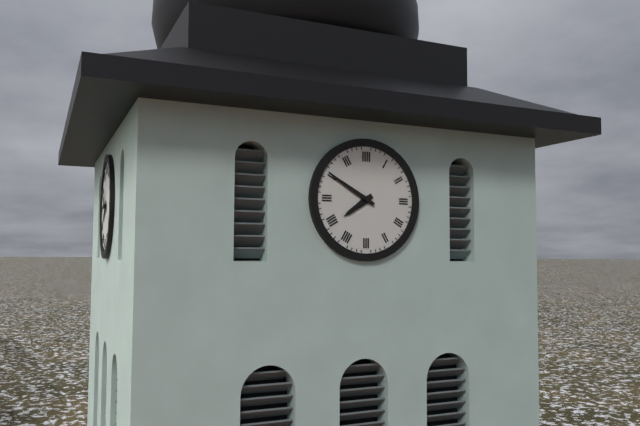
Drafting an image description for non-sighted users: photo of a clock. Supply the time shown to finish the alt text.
7:50
